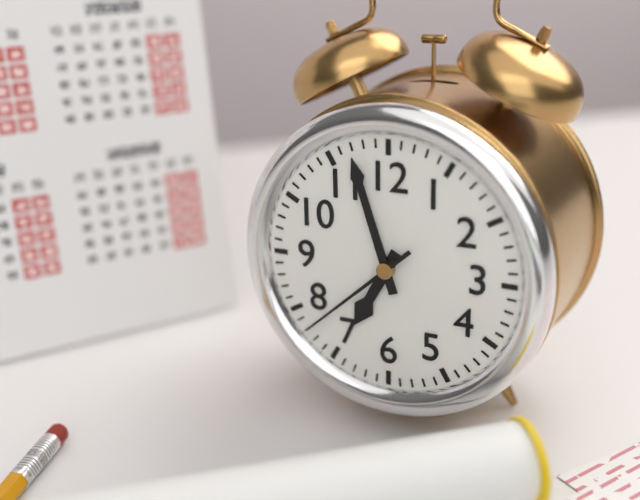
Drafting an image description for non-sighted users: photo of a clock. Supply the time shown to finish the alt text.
6:57:38
